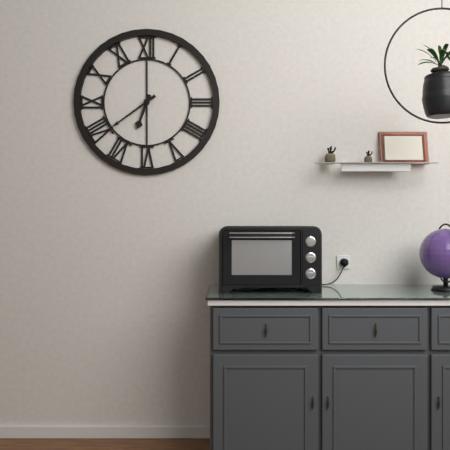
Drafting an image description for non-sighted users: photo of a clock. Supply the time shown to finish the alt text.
6:39
